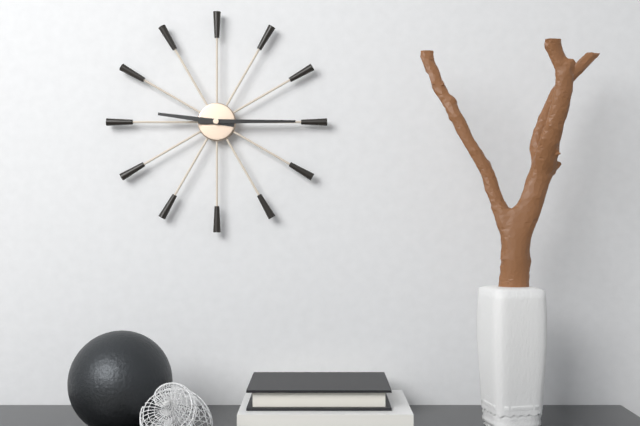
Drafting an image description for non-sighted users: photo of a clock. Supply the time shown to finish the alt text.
9:15
